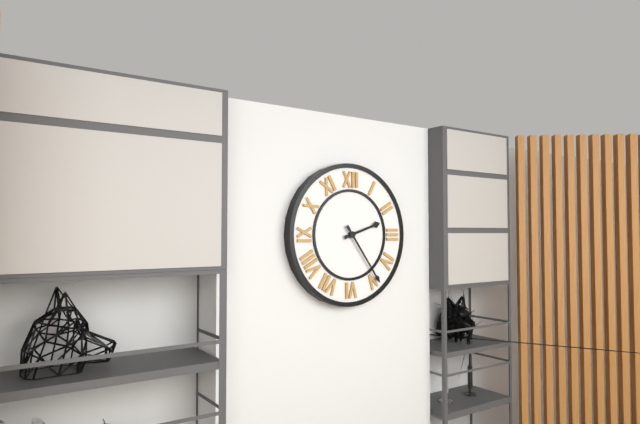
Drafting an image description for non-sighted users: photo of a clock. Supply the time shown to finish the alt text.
2:24
